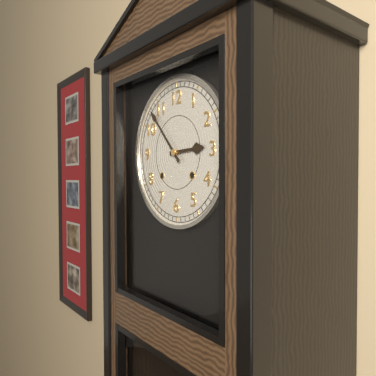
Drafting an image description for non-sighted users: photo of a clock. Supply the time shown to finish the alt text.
2:53
